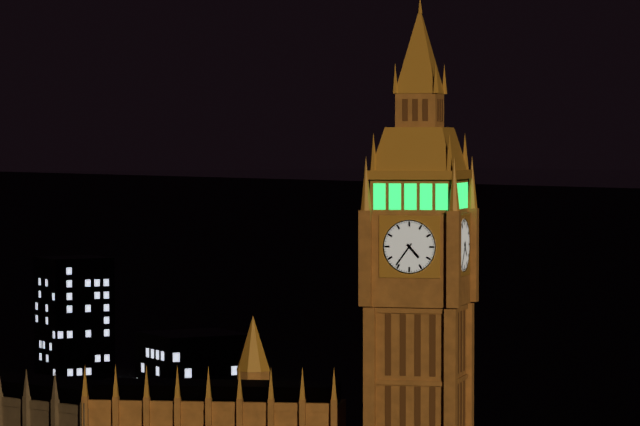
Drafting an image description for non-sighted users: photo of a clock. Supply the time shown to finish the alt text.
4:36
